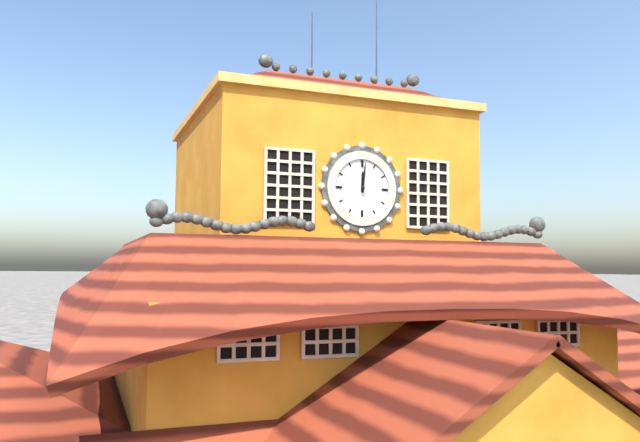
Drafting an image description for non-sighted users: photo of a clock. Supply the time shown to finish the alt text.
12:01
